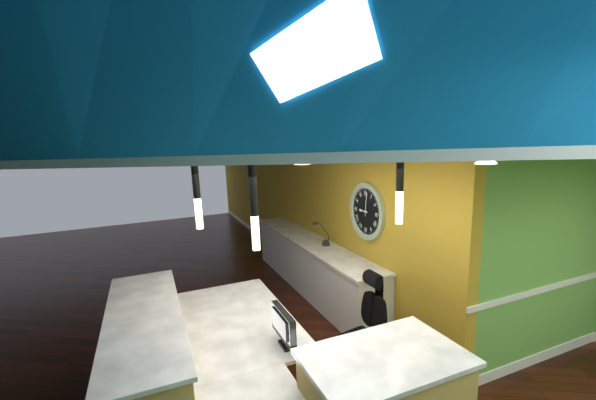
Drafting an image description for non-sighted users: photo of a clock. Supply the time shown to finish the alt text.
9:01
